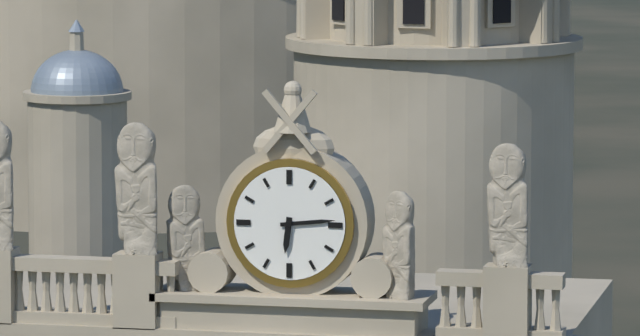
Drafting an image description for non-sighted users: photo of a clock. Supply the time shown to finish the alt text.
6:14
